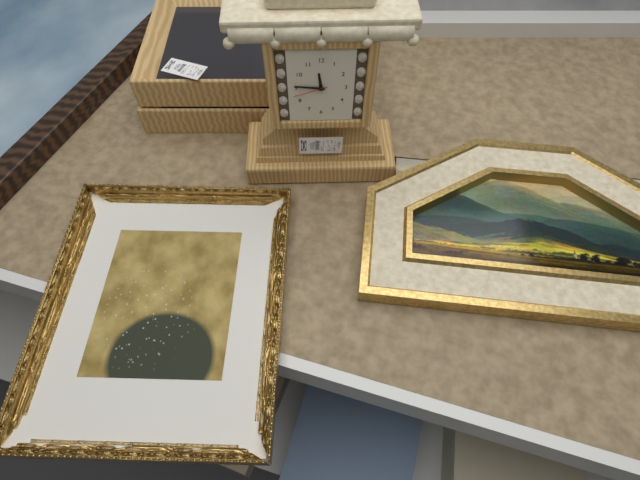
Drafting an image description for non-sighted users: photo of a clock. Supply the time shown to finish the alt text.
11:46
